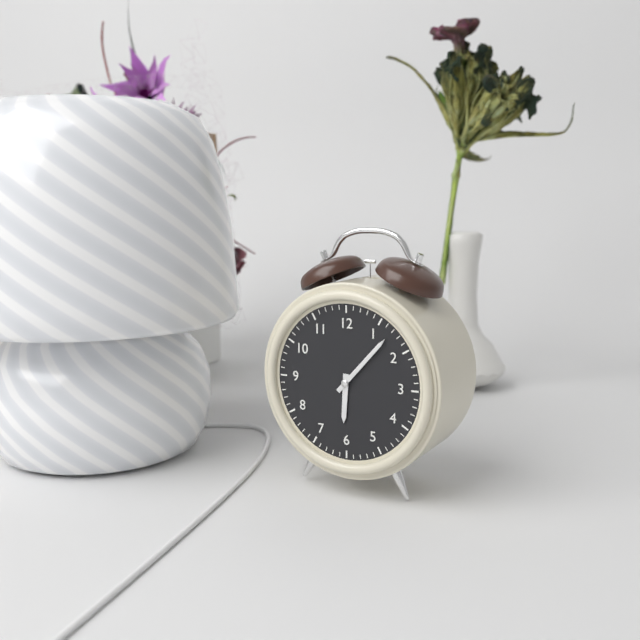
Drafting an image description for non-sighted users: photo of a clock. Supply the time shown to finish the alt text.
6:07
